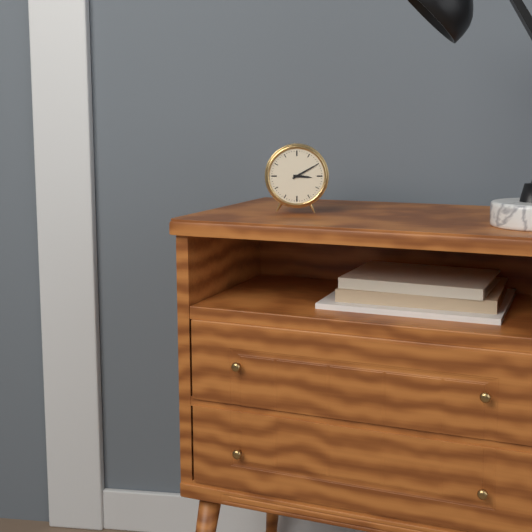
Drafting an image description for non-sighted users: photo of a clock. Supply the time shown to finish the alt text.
3:10
